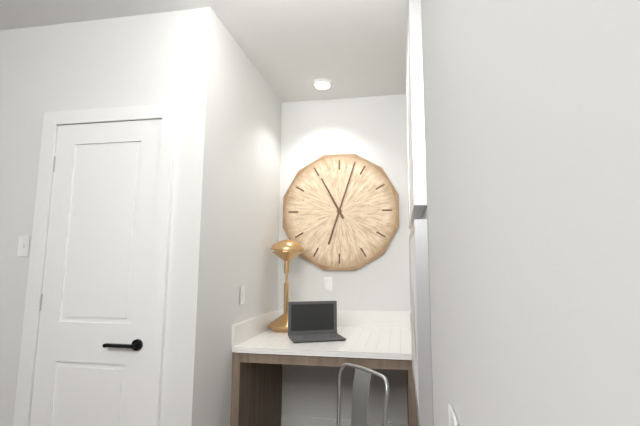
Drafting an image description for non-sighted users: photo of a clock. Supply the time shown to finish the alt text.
11:03
